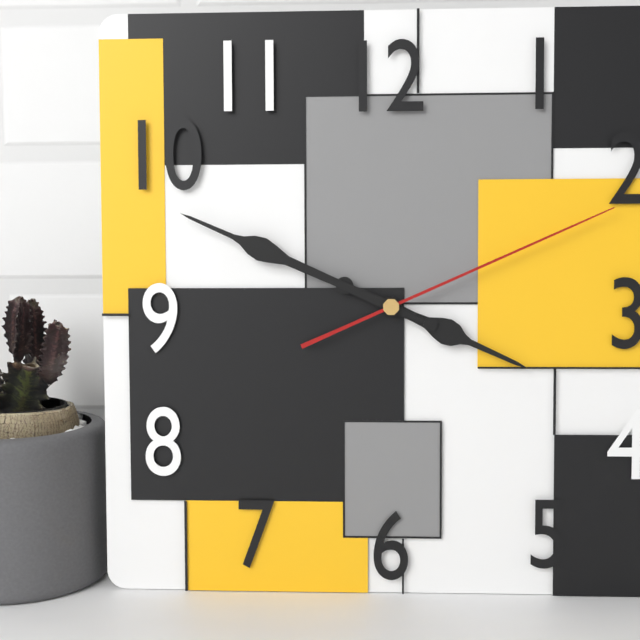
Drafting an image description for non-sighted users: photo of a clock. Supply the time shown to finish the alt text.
3:49:11
